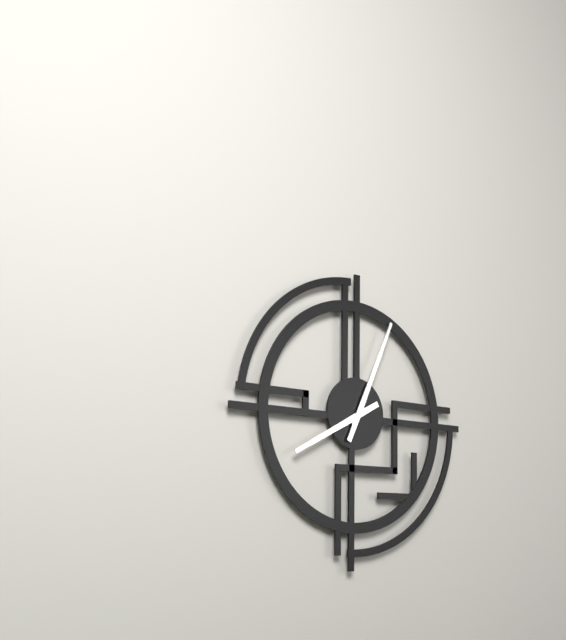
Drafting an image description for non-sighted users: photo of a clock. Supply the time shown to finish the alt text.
8:04
